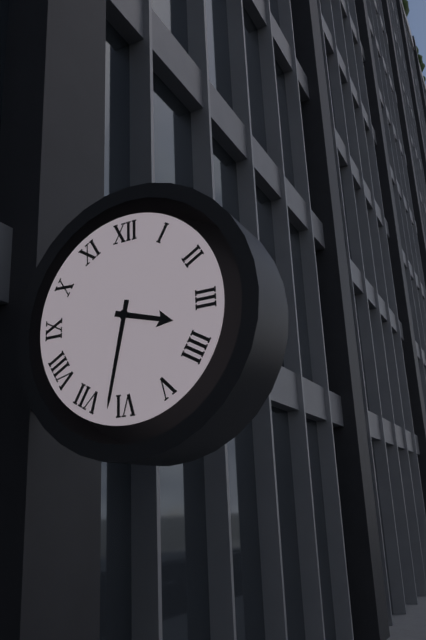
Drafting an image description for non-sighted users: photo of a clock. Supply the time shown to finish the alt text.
3:32
